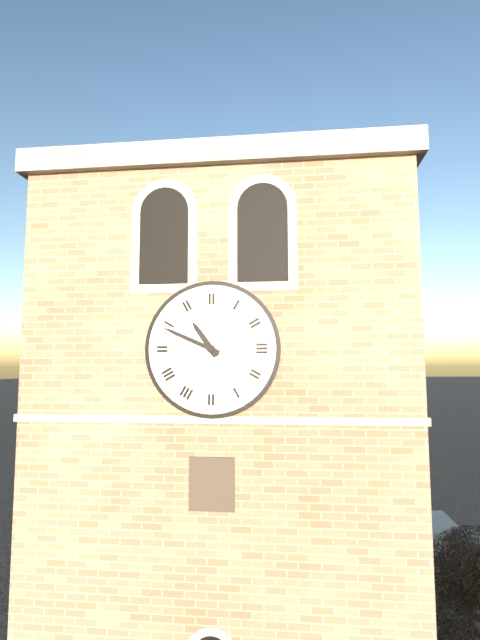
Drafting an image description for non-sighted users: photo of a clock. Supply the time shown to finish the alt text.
10:49
